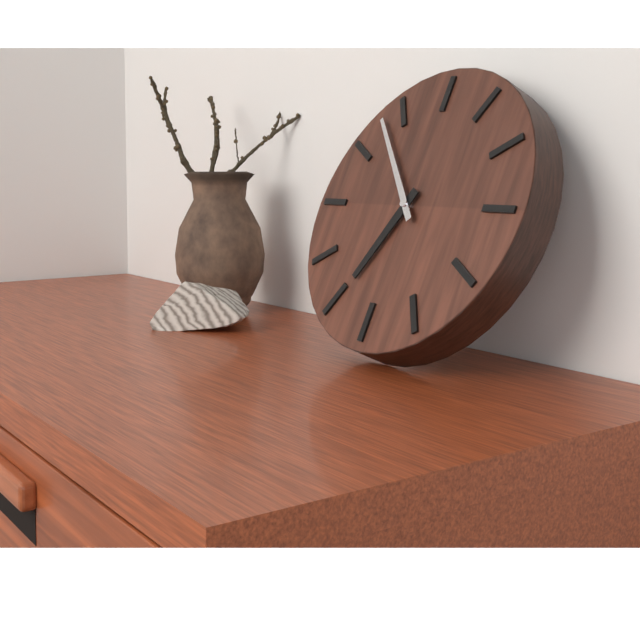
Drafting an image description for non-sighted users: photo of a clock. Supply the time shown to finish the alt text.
6:53
